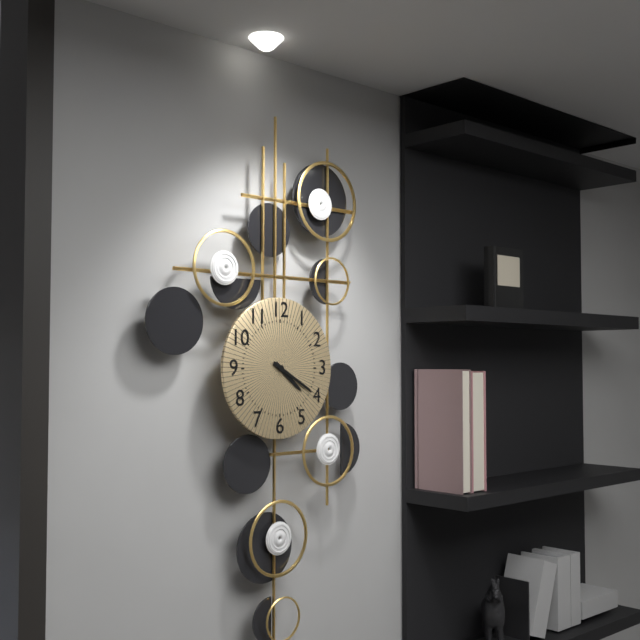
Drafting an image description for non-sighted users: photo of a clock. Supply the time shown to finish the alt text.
4:20
